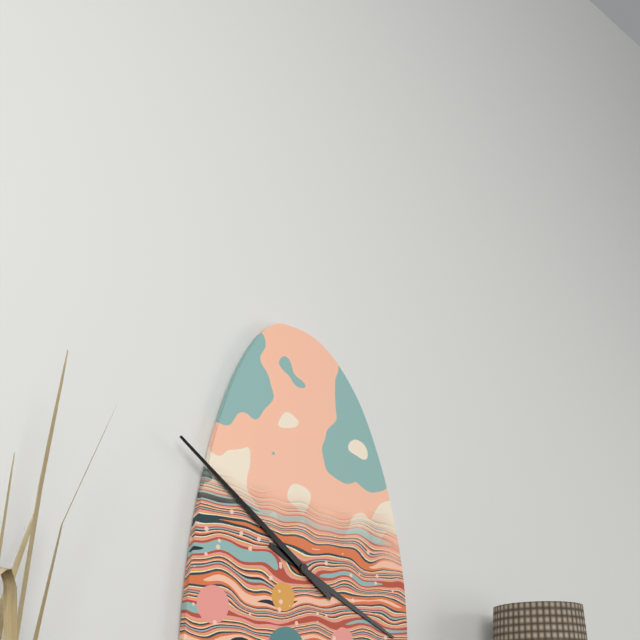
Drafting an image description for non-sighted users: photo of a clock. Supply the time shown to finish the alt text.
3:51
